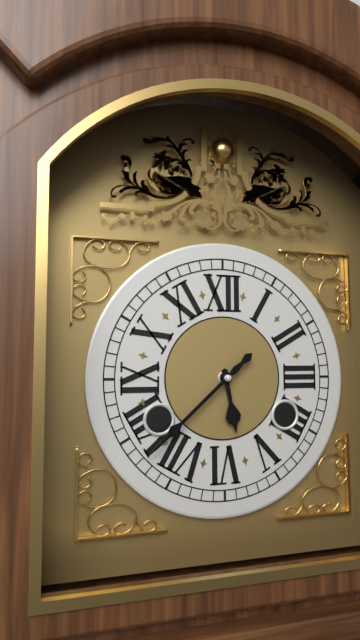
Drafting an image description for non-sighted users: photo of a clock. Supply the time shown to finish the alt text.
5:38
